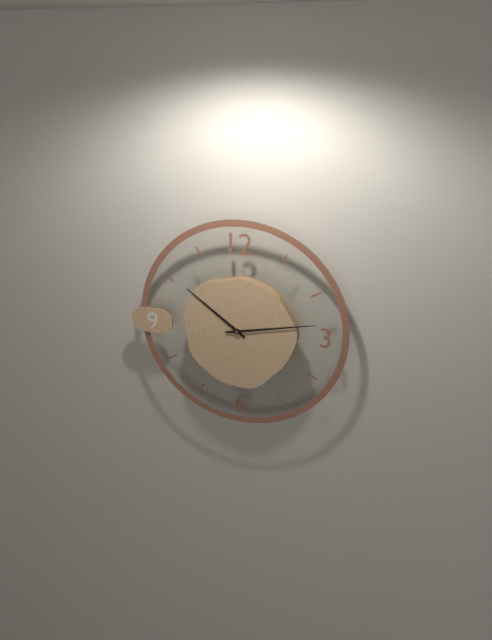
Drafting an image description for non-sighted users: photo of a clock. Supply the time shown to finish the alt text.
10:13
